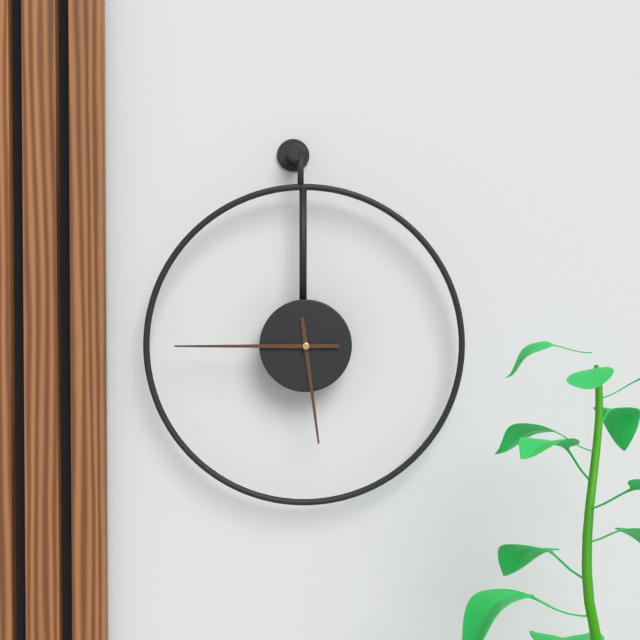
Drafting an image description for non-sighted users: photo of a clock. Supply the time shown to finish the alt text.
5:45
